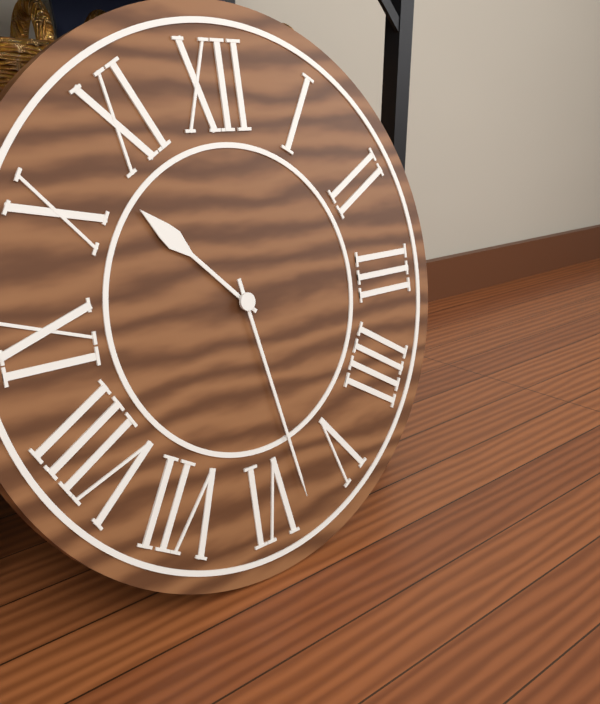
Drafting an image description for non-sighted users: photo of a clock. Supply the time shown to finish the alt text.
10:28
